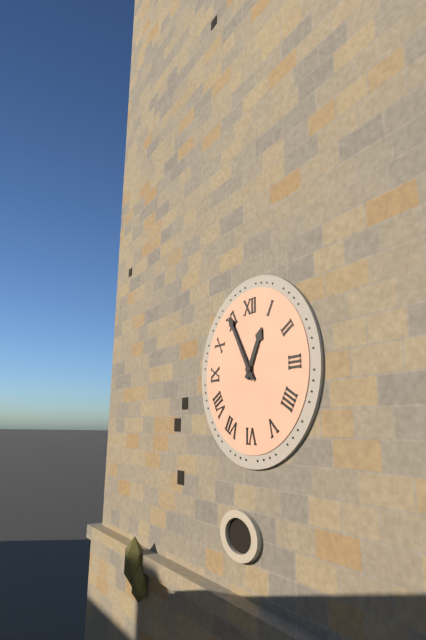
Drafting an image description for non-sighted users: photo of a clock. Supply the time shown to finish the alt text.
12:55
